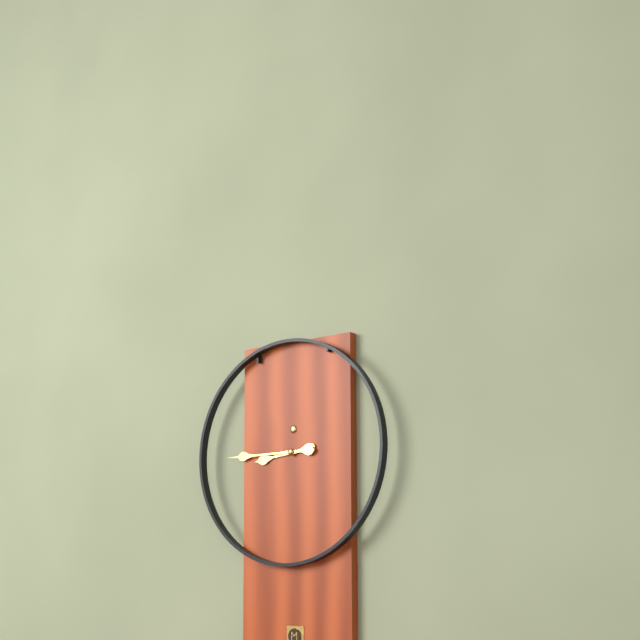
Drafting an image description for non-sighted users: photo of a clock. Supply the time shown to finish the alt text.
8:45
